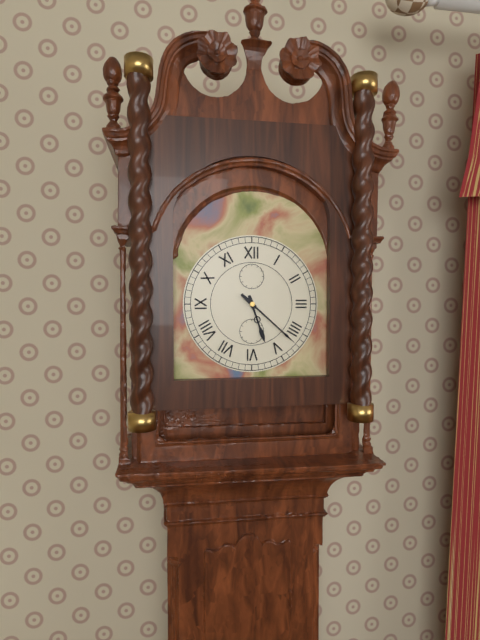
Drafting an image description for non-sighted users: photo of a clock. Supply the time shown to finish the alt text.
5:22
